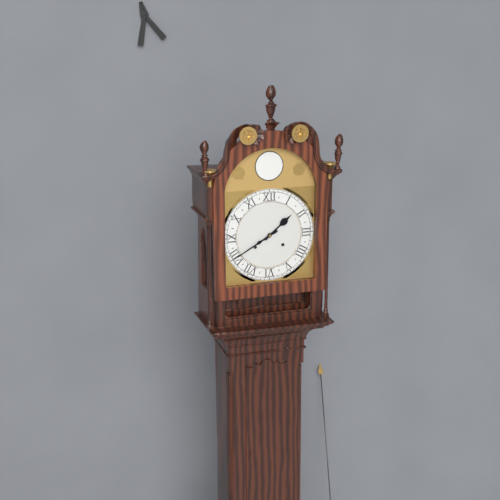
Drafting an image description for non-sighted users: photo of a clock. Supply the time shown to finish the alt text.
1:40
